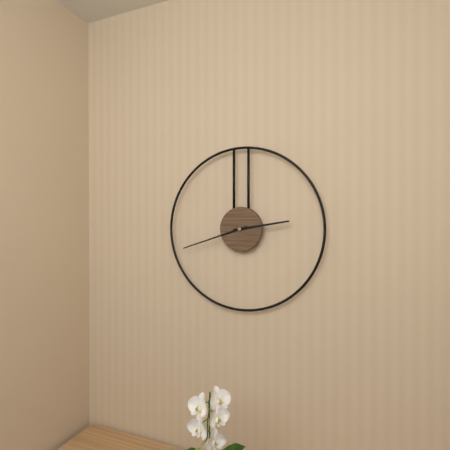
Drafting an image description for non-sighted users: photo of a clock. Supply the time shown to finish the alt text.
2:42
